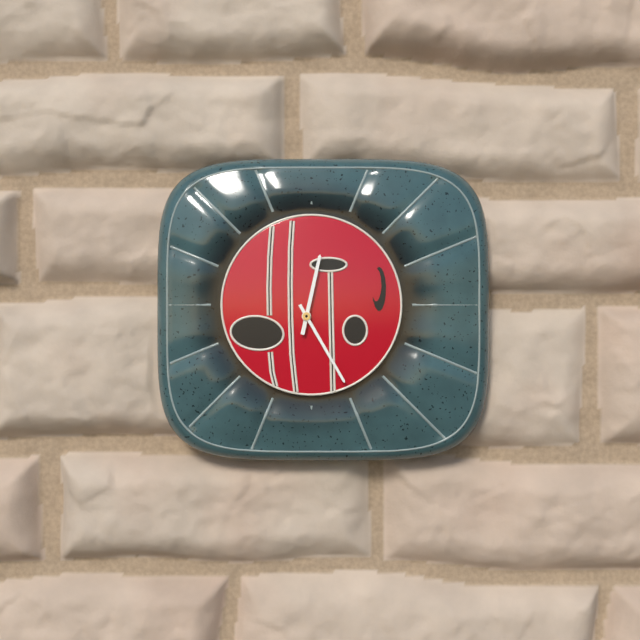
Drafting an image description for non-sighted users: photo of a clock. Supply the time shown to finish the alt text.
12:25
